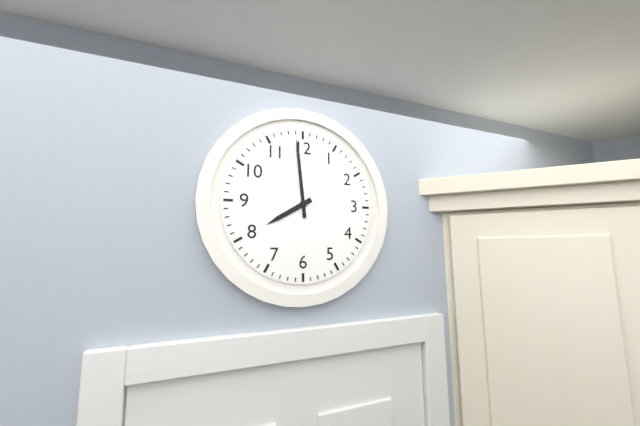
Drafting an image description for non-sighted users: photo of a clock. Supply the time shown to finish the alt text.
7:59
